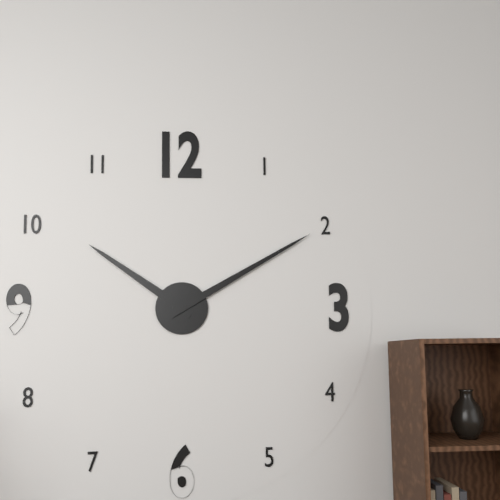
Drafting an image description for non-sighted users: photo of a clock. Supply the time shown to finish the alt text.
10:10
